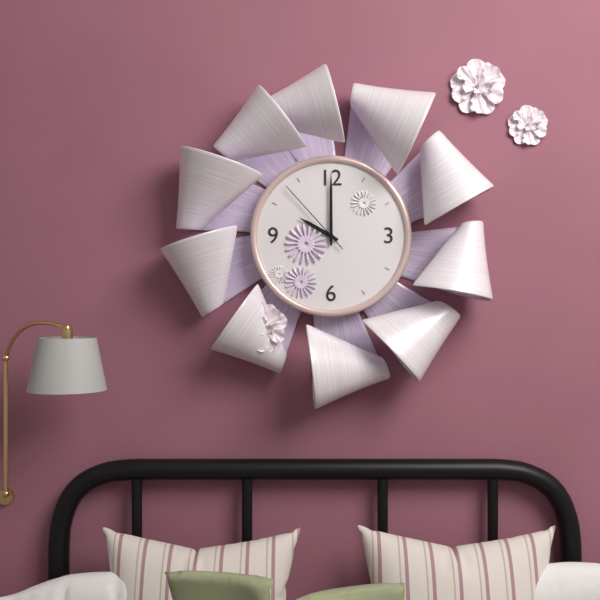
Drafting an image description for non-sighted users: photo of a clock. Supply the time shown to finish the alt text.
10:00:53
